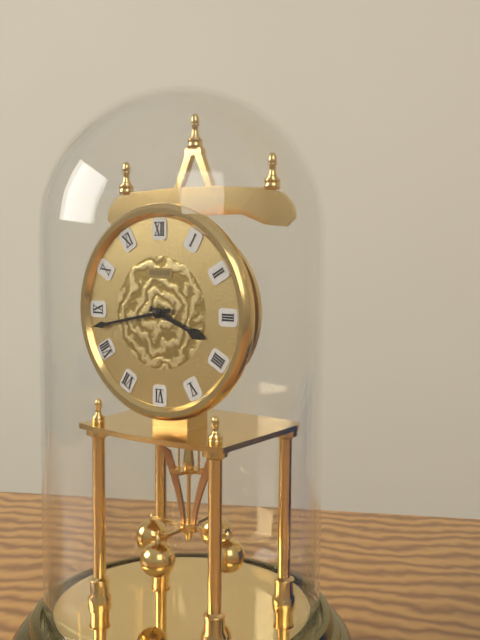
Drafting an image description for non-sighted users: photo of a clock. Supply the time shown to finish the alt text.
3:43
